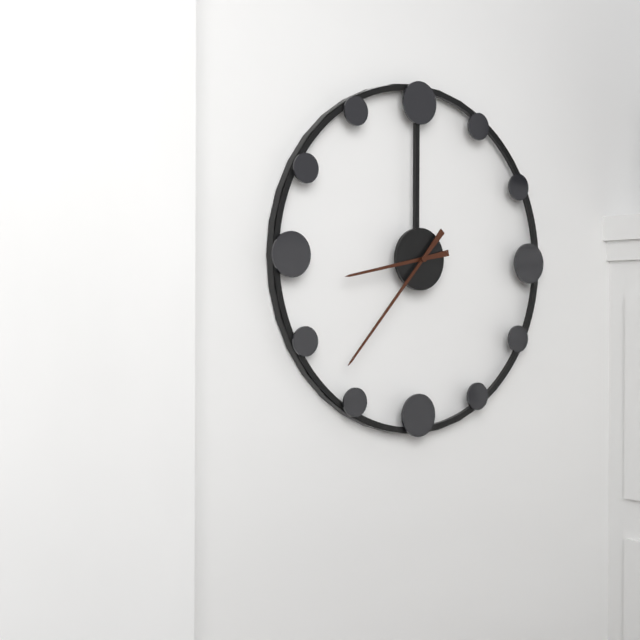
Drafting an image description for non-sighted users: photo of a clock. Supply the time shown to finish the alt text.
8:37
